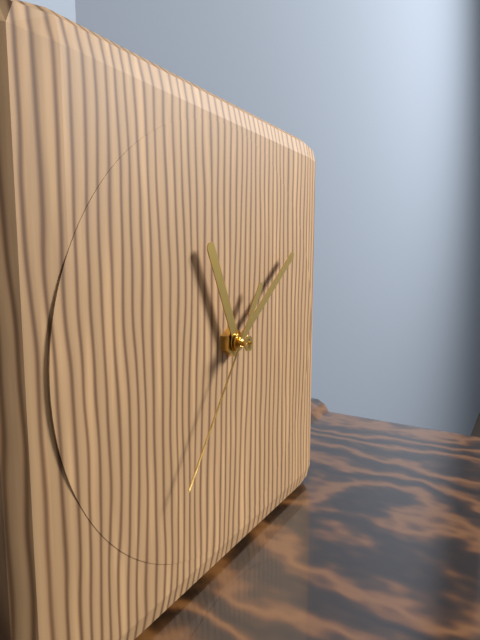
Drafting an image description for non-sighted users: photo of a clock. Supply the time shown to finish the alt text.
11:09:36
